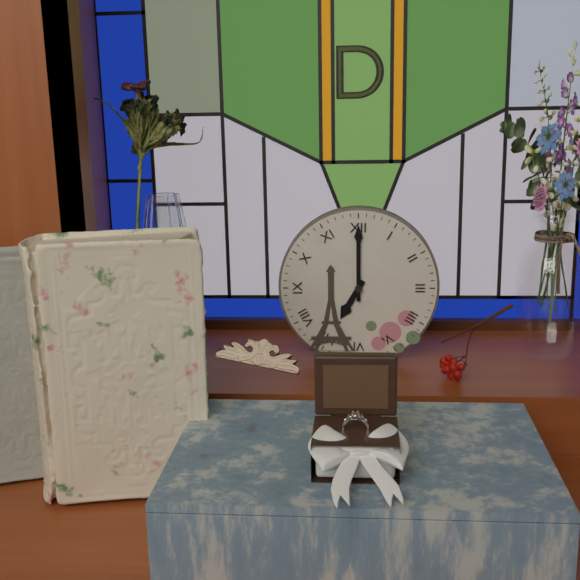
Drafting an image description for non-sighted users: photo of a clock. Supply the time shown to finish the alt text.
7:00
